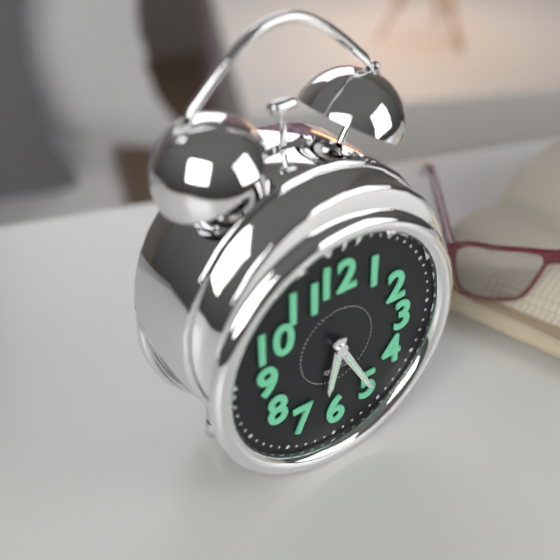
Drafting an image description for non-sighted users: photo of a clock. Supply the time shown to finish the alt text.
6:25
